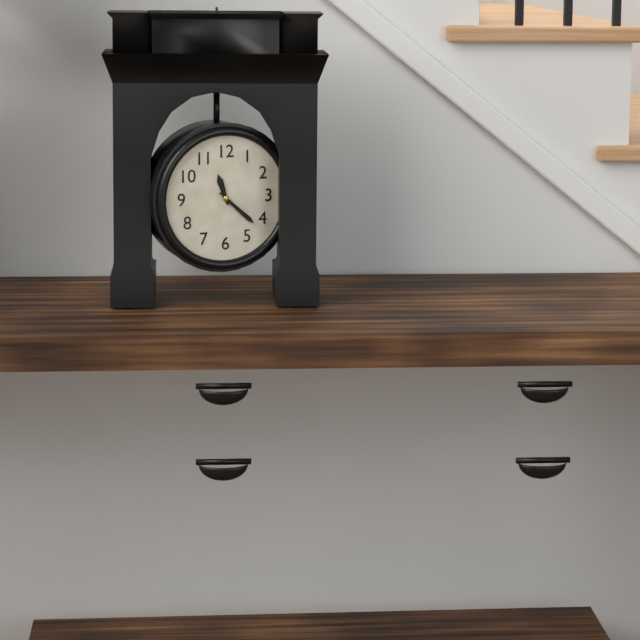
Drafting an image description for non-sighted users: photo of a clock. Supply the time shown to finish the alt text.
11:22
